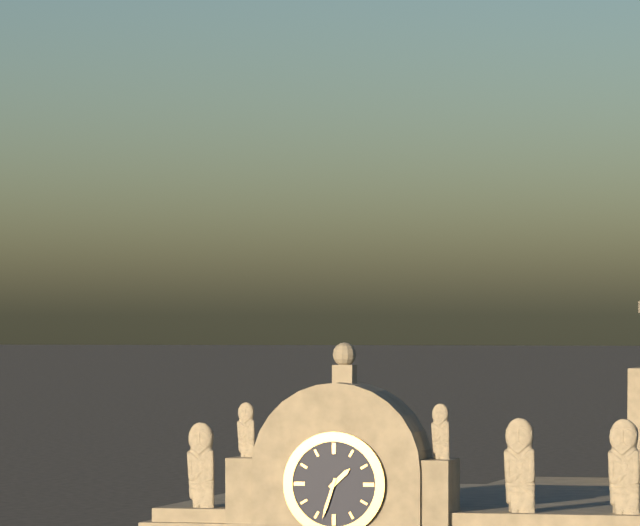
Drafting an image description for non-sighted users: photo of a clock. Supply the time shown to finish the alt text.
1:33
